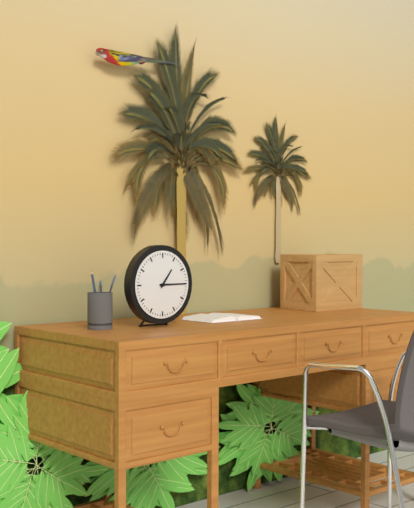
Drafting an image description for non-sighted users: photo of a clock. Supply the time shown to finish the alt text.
1:15
